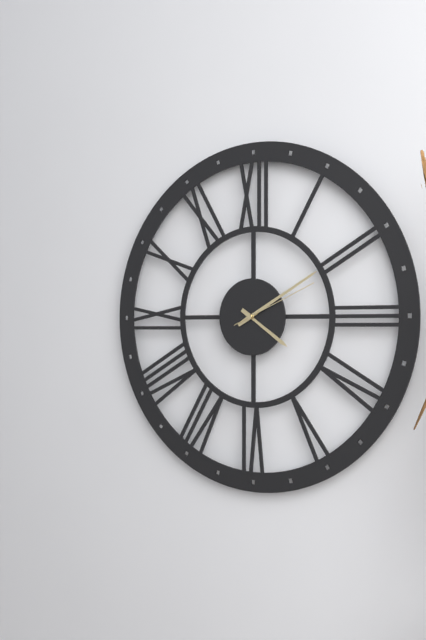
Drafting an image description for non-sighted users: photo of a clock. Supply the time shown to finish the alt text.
4:10:11
